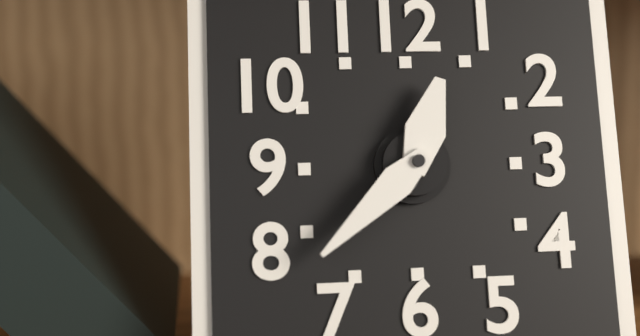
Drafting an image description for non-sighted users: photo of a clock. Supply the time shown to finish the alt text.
12:38
